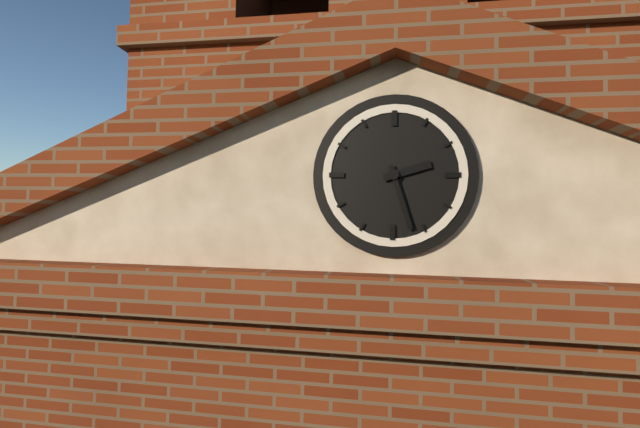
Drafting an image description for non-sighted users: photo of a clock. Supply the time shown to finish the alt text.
2:27
